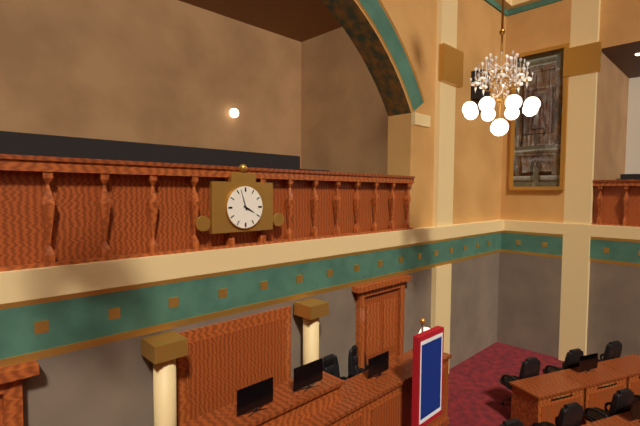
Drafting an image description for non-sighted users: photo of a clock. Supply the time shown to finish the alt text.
3:57
